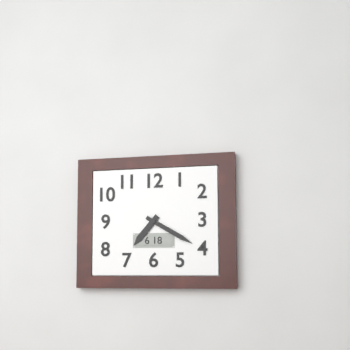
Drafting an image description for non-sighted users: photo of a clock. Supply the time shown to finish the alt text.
7:20
